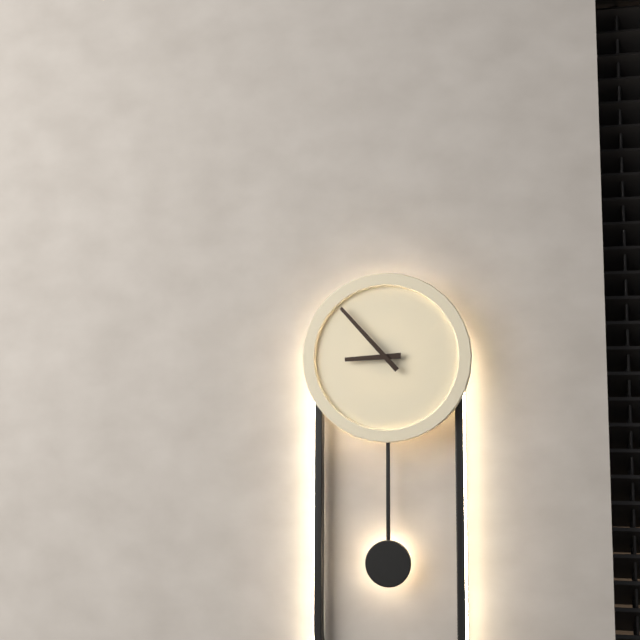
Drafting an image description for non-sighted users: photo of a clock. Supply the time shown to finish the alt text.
8:53
